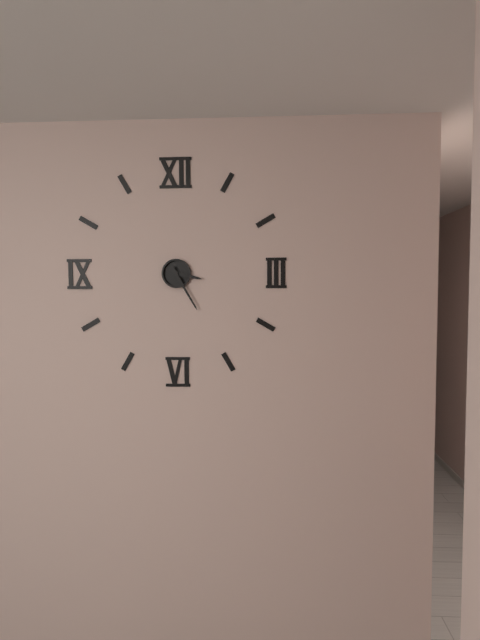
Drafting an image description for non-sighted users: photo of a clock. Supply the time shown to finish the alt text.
3:25
